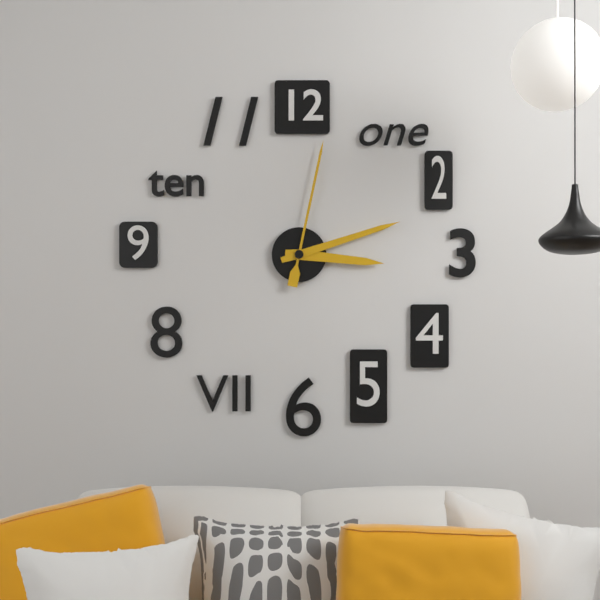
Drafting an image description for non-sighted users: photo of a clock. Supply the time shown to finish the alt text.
3:12:02
